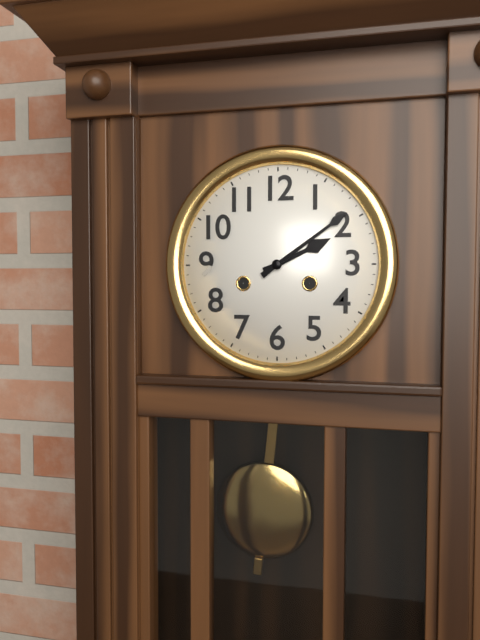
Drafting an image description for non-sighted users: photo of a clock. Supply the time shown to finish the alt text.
2:09
